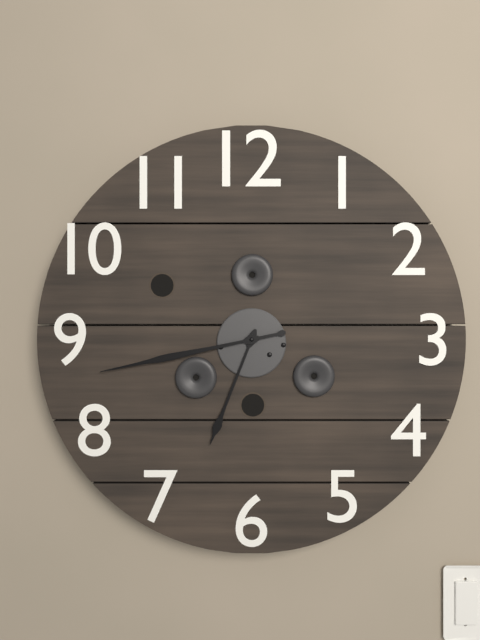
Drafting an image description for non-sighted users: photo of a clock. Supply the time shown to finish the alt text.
6:43
